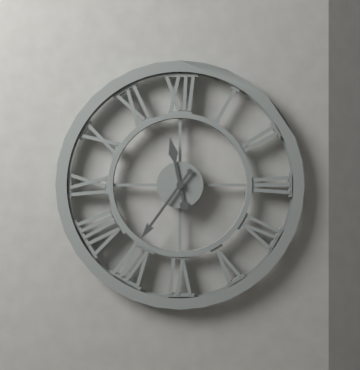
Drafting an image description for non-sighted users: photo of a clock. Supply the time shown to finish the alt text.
11:36
